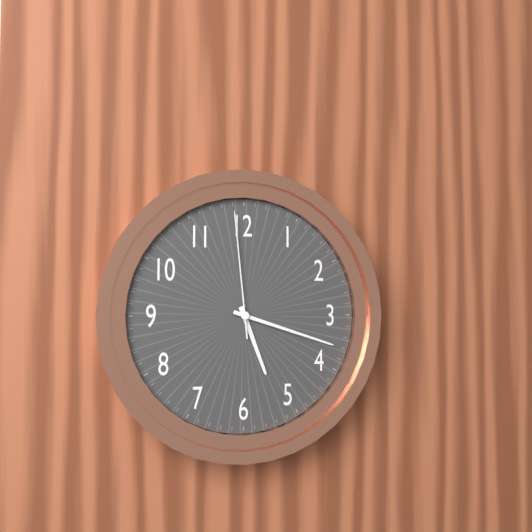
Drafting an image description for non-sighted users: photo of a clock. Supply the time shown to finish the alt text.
5:18:59
